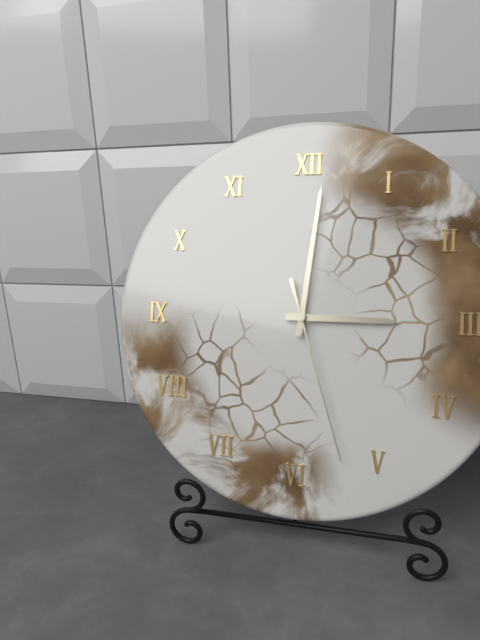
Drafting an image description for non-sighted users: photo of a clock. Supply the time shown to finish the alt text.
3:01:27
